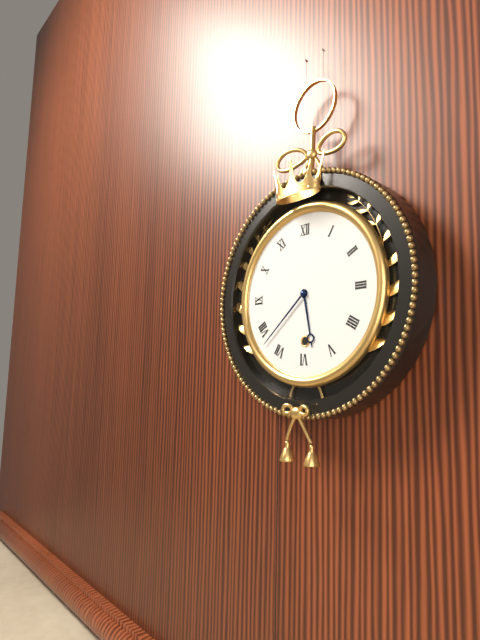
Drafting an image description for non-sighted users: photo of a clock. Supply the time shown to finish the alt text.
5:38
